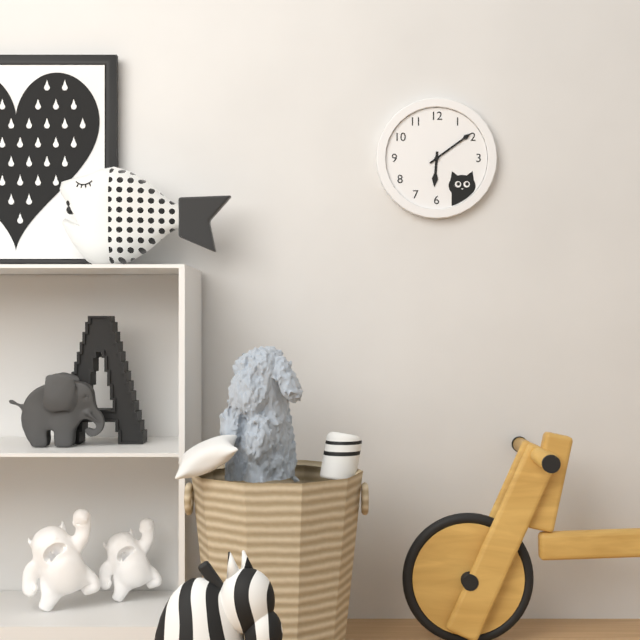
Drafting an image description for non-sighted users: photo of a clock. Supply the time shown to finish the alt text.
6:09
